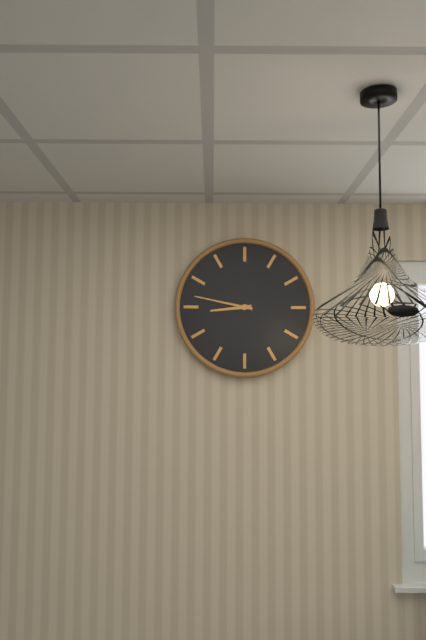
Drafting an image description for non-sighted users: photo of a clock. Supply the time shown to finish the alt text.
8:47
